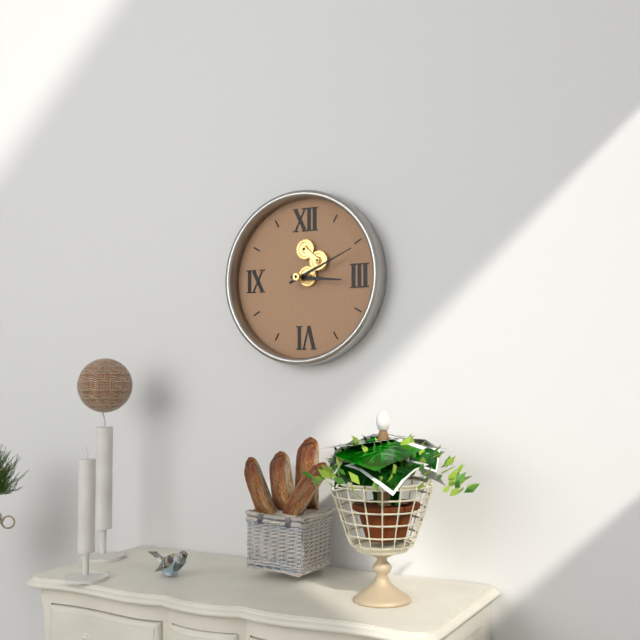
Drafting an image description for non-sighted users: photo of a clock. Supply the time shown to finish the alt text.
3:11
